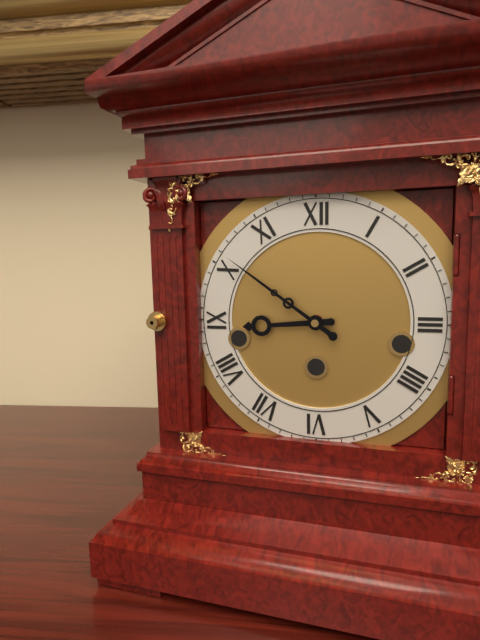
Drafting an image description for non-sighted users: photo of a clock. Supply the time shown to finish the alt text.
8:51
